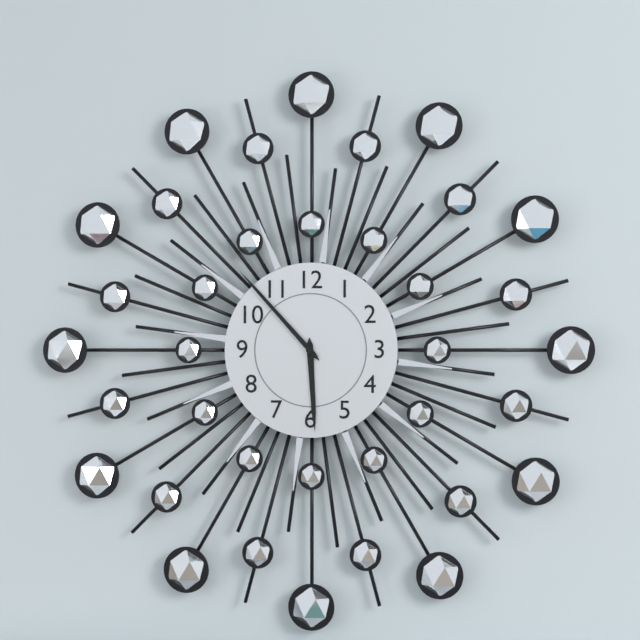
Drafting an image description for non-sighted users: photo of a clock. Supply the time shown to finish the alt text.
5:53
